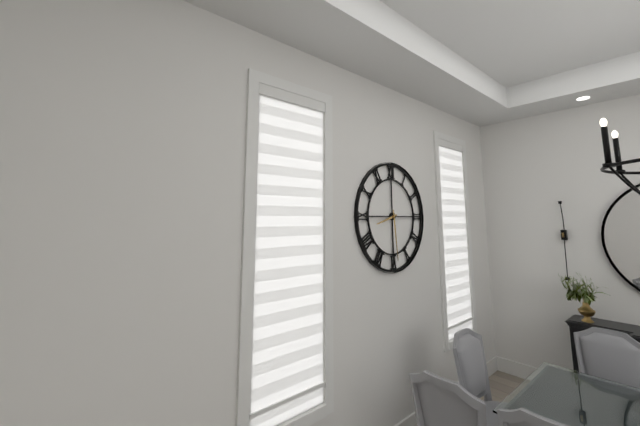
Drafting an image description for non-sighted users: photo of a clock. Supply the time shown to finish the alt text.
8:29
